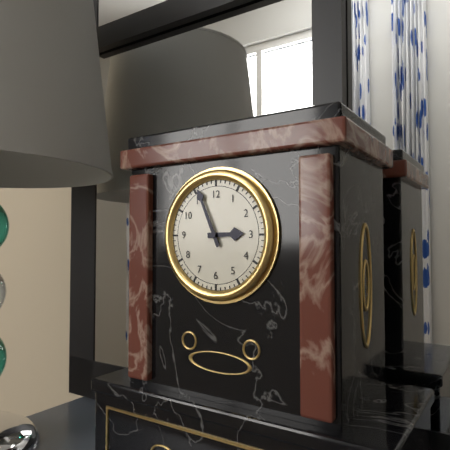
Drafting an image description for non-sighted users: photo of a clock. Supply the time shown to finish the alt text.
2:56
